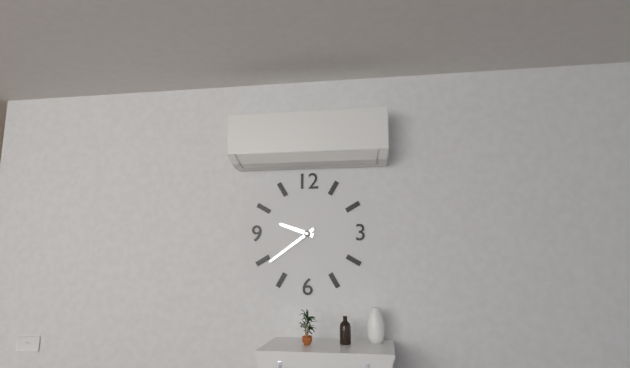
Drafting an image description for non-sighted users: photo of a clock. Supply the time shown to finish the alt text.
9:39
